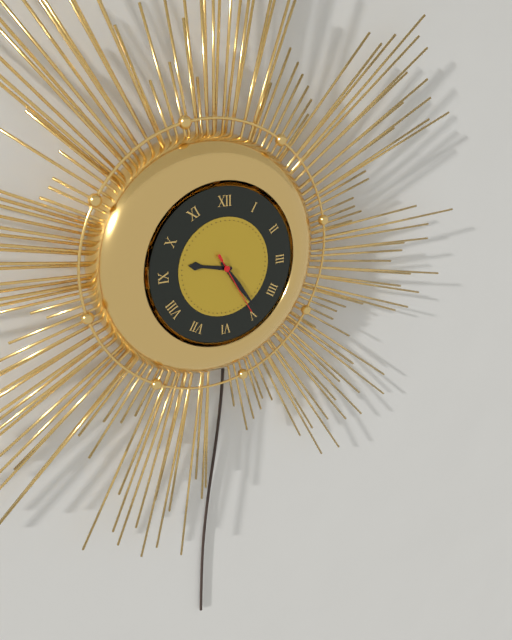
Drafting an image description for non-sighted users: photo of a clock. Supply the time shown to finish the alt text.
9:24:25
